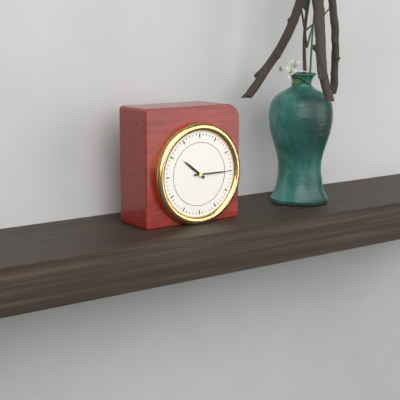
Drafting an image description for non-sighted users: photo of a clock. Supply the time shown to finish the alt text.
10:15
